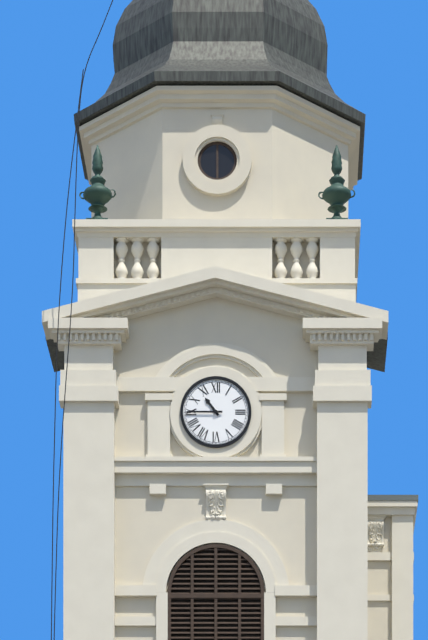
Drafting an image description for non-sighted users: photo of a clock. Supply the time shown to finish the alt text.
10:45
